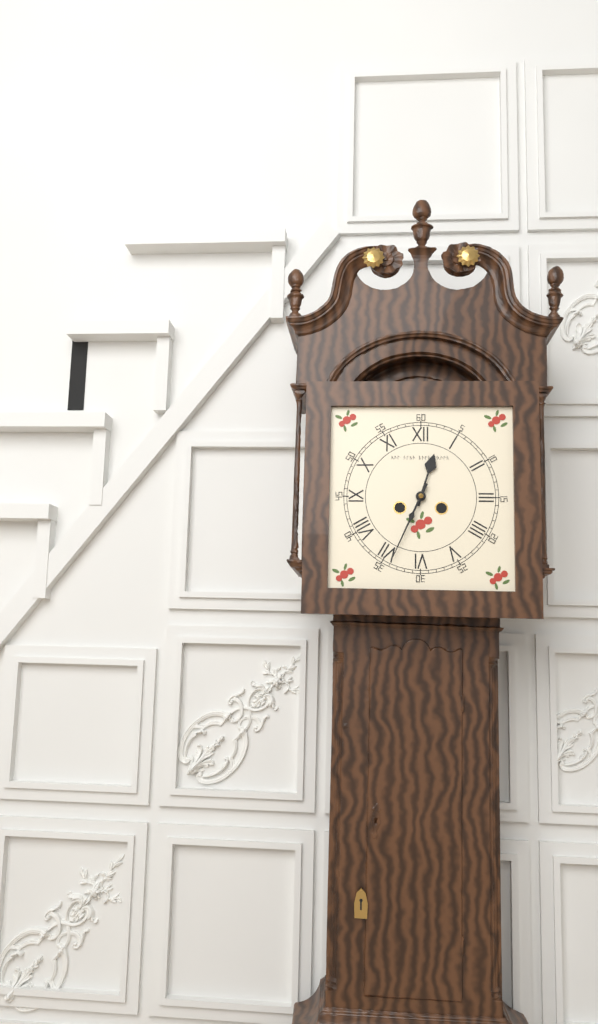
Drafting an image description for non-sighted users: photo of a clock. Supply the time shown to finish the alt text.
12:34
